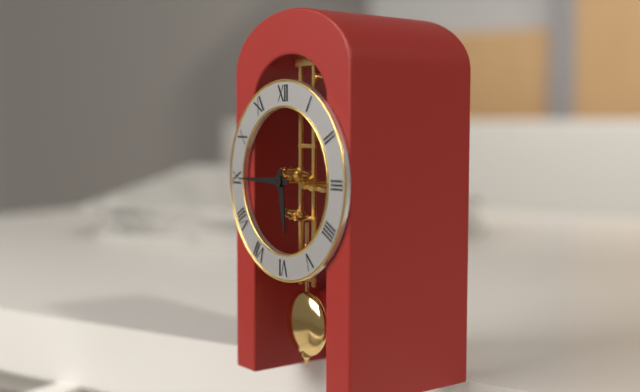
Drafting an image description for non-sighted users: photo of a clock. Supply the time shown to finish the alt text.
5:45
